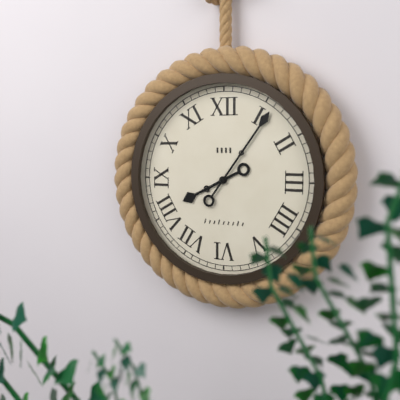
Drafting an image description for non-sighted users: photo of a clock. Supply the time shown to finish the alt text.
8:06
